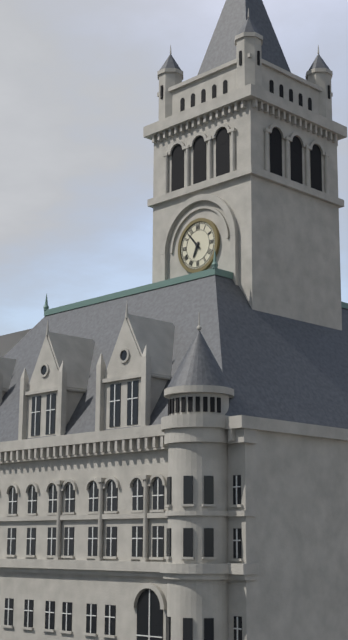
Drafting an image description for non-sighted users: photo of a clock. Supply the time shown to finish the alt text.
6:53
